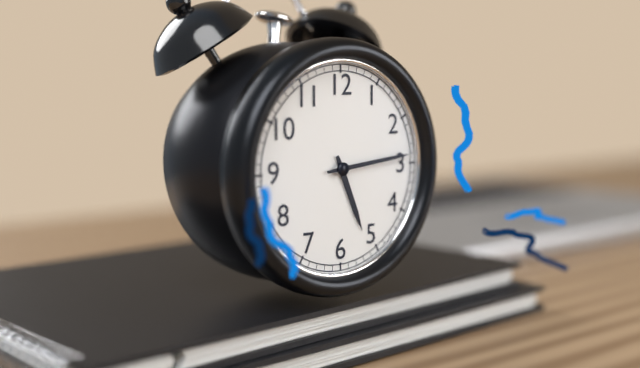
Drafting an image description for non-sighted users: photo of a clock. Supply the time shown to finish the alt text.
5:14
